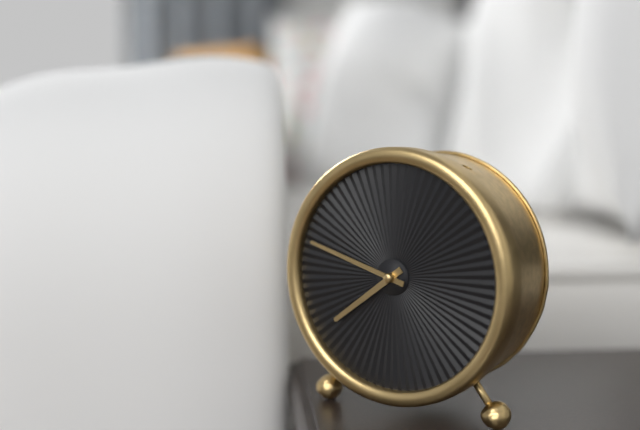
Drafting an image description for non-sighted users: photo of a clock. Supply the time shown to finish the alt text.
7:48
